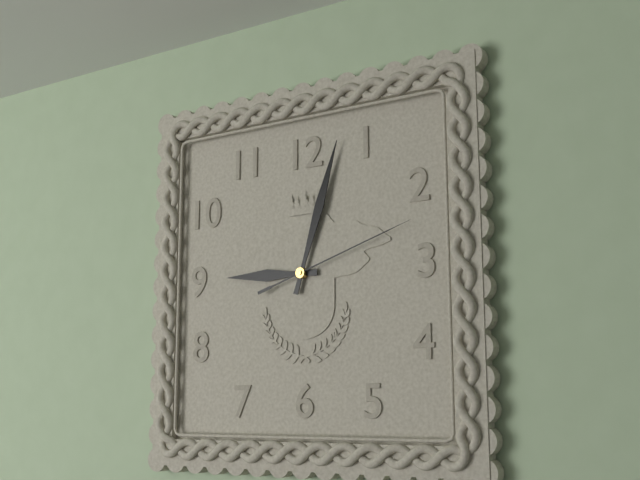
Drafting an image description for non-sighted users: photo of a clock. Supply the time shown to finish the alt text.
9:03:12
